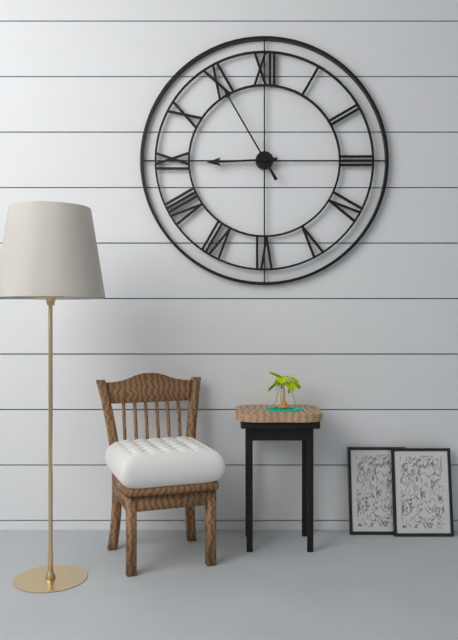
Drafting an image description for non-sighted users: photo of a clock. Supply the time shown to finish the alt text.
8:55
